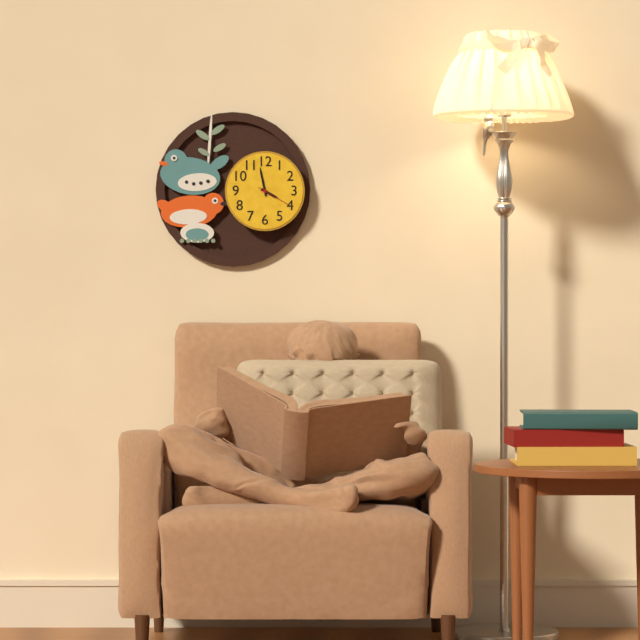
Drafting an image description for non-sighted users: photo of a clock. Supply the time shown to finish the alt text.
3:58
